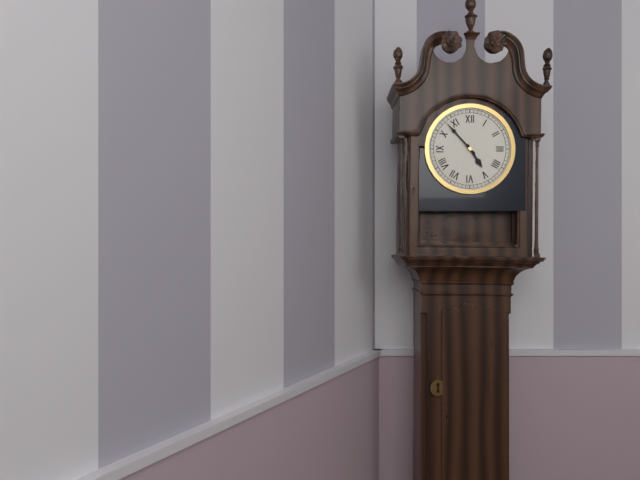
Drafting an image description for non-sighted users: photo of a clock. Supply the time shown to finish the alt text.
4:53
